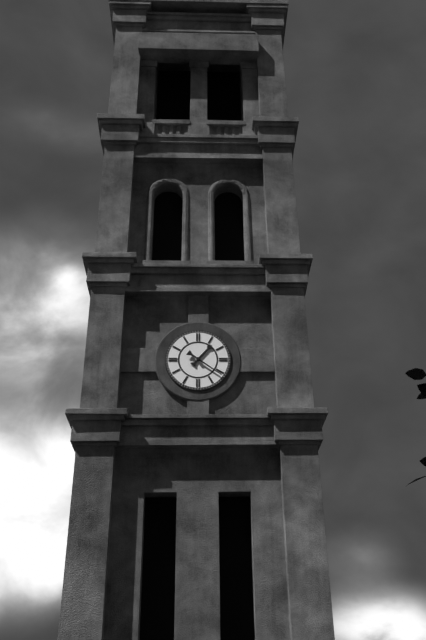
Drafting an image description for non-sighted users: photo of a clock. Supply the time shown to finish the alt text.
1:21
